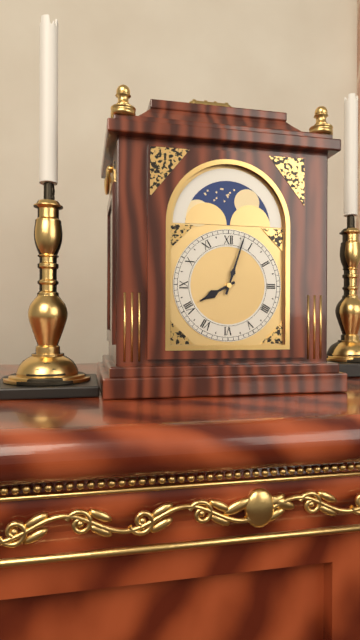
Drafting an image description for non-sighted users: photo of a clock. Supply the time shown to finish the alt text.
8:03
